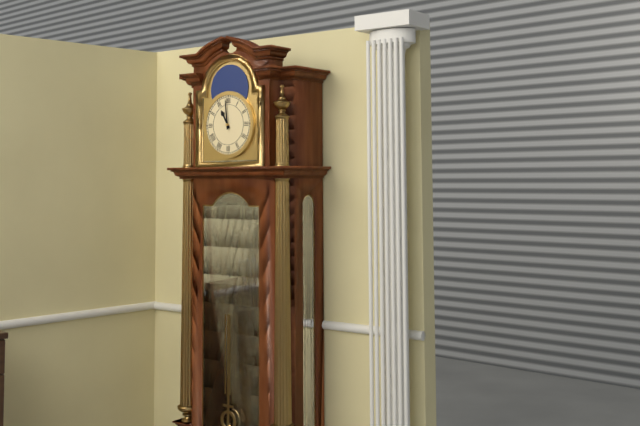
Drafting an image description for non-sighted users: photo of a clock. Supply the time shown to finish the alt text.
10:59
